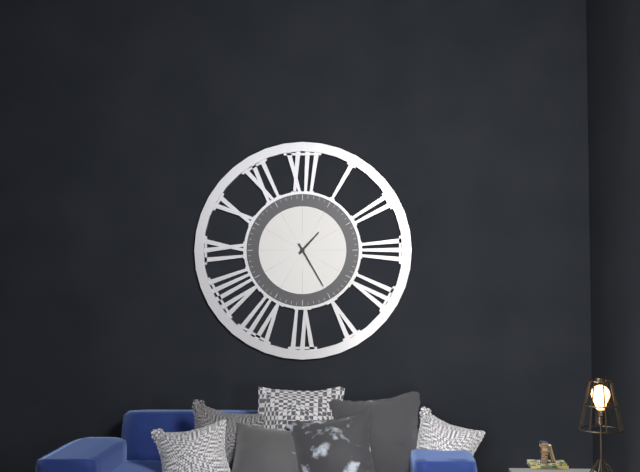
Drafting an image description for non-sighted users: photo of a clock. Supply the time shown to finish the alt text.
1:25
